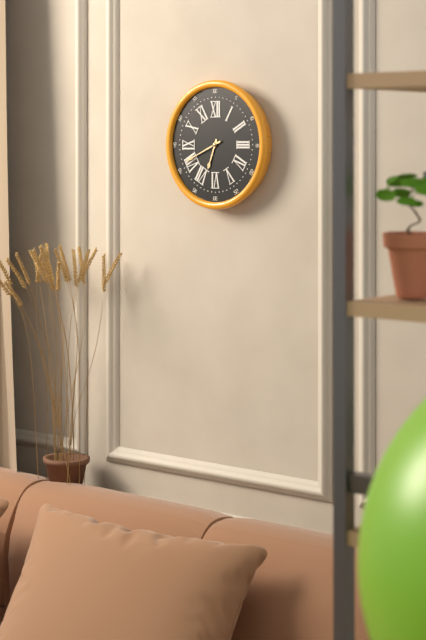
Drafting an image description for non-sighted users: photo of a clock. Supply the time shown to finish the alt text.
6:41
